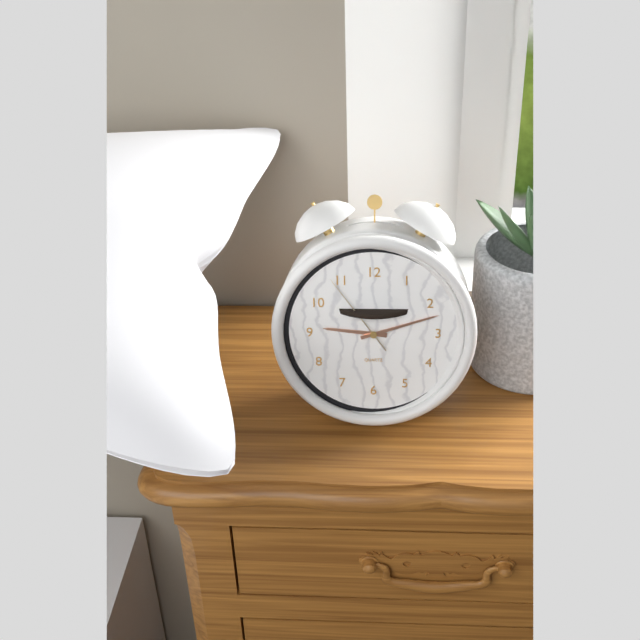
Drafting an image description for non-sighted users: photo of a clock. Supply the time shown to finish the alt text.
9:12:54
